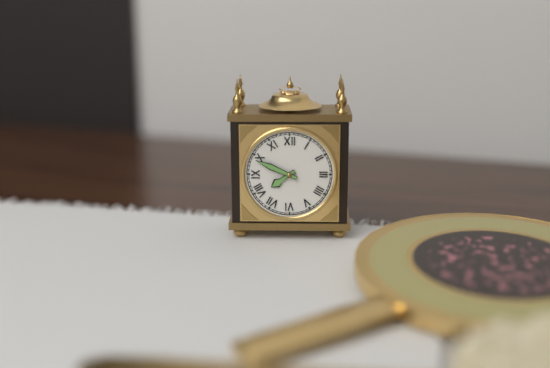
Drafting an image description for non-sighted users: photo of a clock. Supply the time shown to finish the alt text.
7:49
